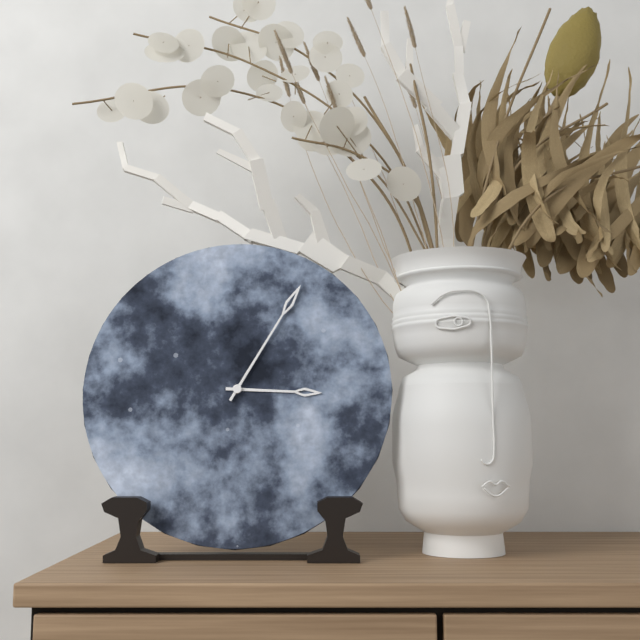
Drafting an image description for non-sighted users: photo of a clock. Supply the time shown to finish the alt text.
3:05
